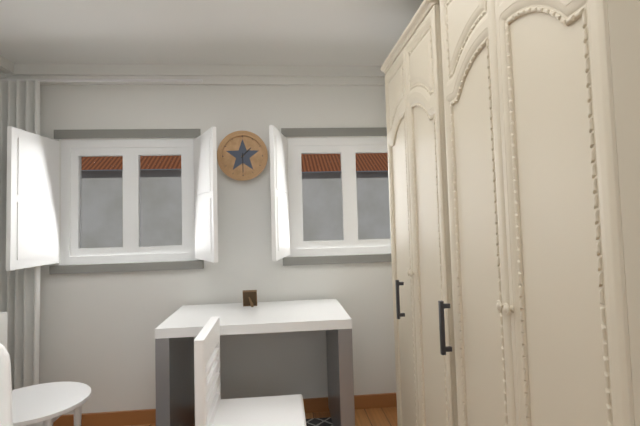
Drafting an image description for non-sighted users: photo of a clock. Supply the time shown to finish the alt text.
1:30
